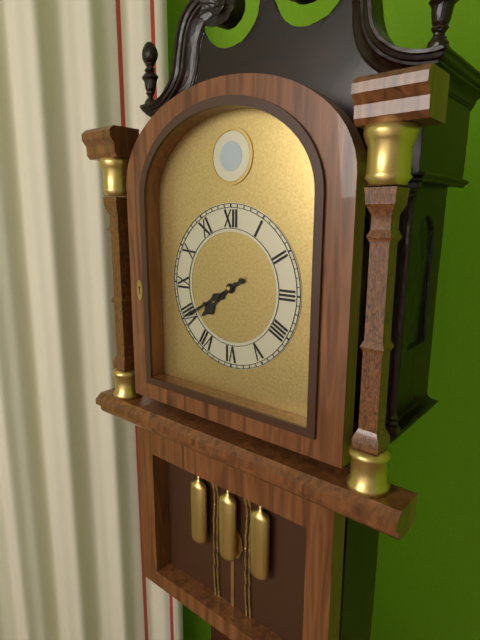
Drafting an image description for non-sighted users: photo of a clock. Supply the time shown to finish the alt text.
7:40
